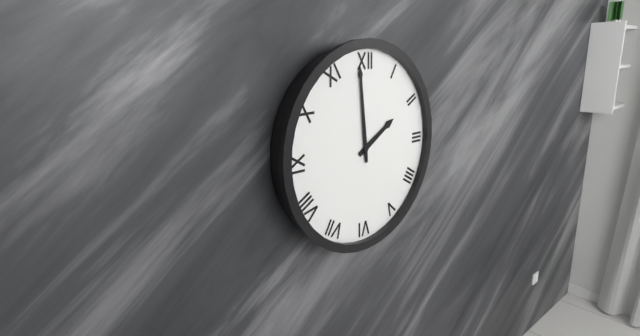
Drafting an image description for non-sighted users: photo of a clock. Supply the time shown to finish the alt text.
1:59
